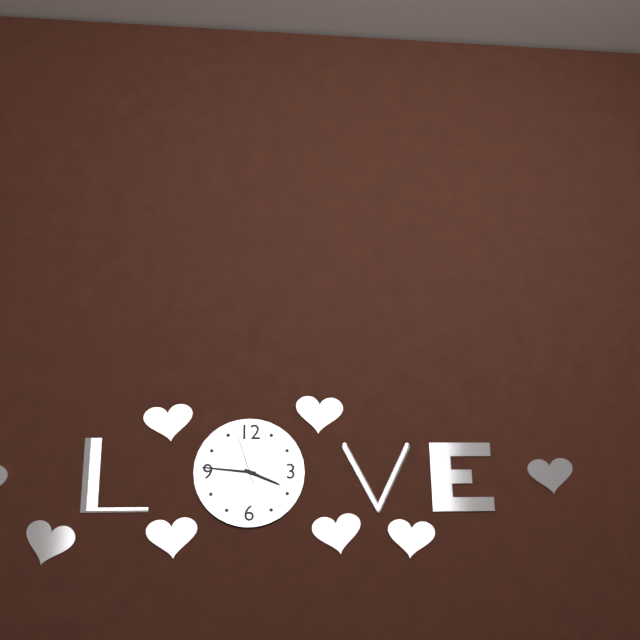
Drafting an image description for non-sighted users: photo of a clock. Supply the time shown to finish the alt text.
3:46:57
